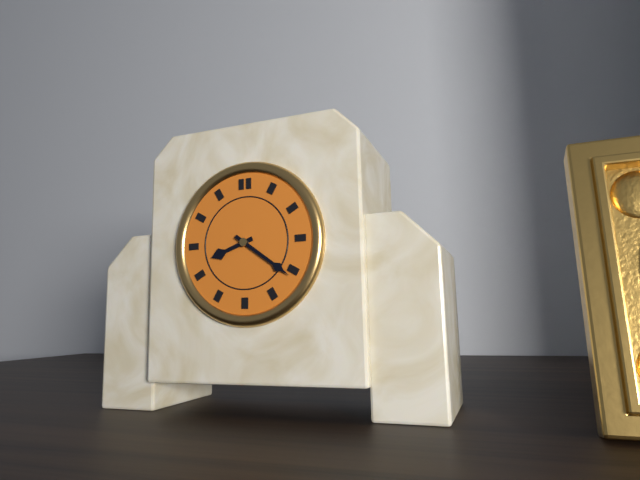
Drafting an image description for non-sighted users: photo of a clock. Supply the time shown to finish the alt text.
8:21
